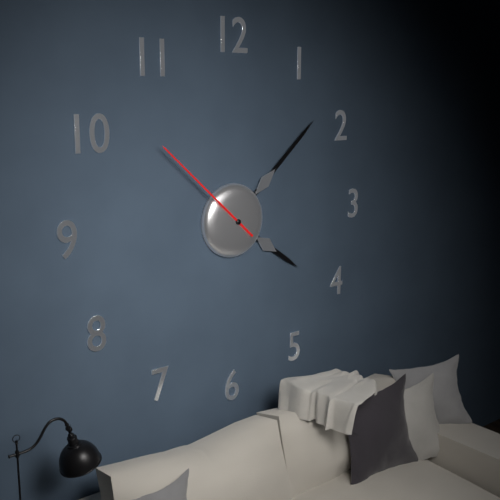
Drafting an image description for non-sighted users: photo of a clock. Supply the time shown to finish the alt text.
4:08:52
